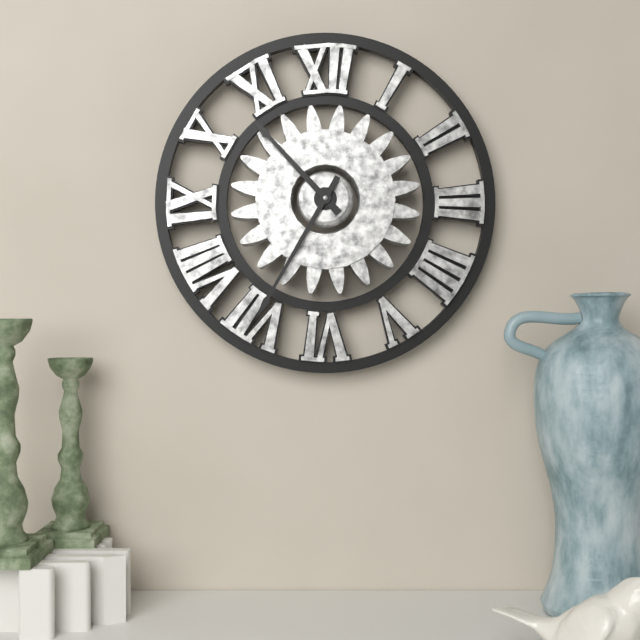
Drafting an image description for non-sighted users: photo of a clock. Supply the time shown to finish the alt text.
10:35
